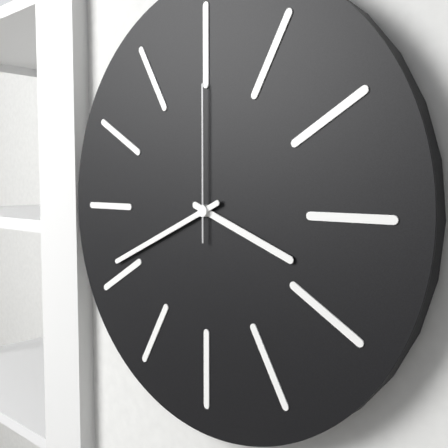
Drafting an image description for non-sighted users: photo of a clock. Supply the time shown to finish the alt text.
3:41:00
